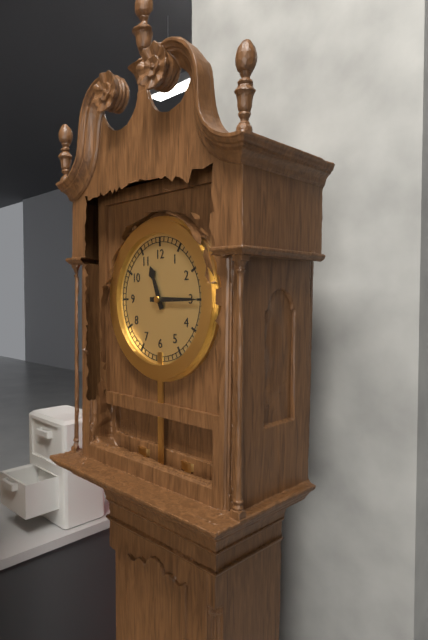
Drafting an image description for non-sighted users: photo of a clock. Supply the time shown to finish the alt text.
11:15
